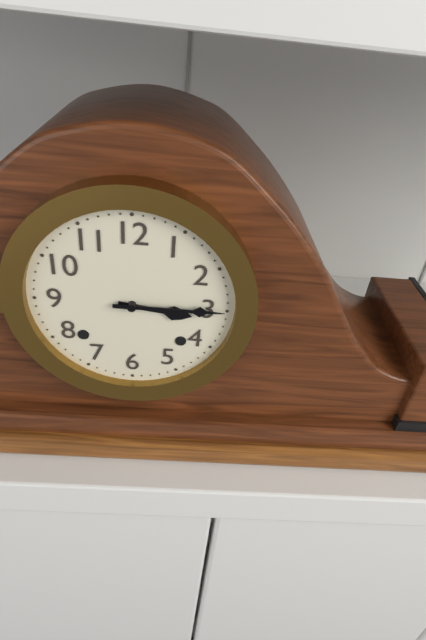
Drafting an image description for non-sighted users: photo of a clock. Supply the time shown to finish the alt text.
3:15
